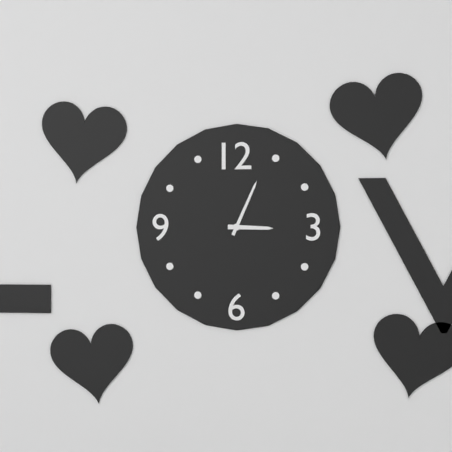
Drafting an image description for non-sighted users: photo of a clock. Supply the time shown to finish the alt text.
3:04
